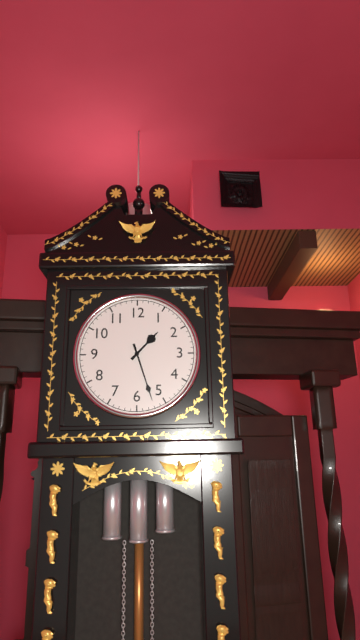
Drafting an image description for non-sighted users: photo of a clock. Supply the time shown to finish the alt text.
1:27
